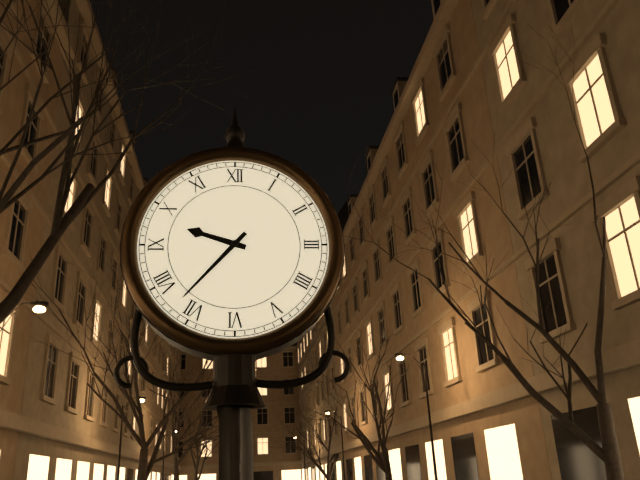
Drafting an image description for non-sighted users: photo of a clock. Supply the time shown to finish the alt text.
9:37
